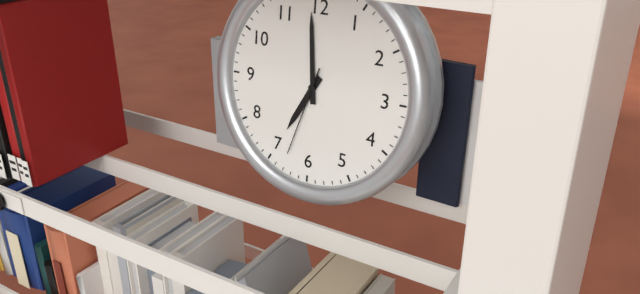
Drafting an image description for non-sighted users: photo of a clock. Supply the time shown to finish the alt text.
6:59:33
